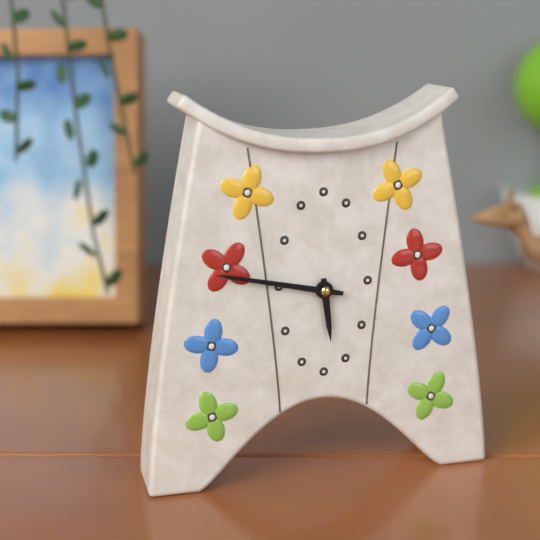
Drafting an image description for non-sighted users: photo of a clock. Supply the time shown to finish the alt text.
5:47
